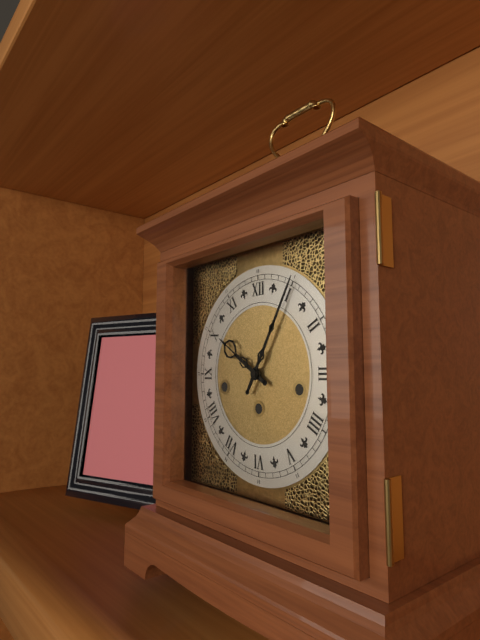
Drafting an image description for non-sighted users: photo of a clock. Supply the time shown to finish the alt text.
10:05
